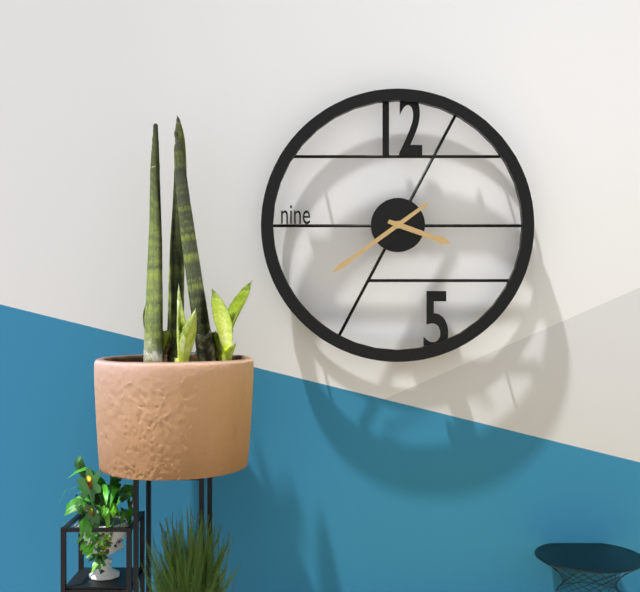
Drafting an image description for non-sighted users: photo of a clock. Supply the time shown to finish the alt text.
3:39
